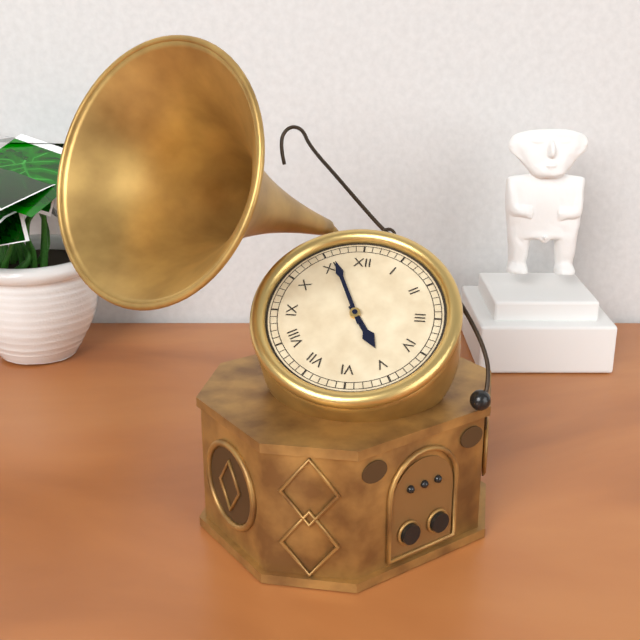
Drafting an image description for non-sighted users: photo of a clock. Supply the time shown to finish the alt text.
4:56
